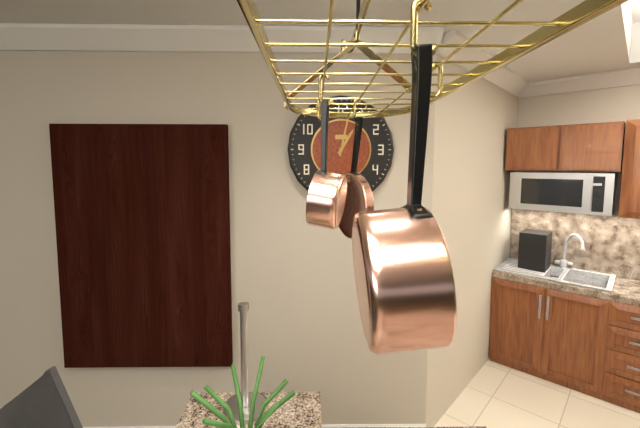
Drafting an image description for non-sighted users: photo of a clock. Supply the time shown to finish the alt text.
1:02
